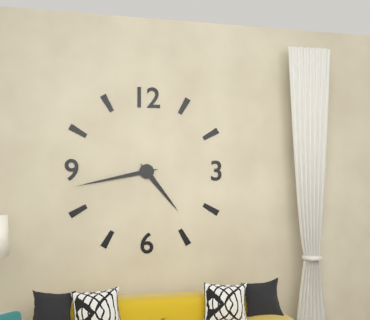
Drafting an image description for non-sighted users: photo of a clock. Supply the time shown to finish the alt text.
4:43
